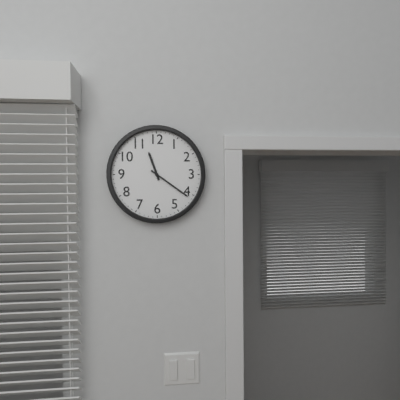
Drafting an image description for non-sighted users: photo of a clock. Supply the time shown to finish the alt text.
11:21
